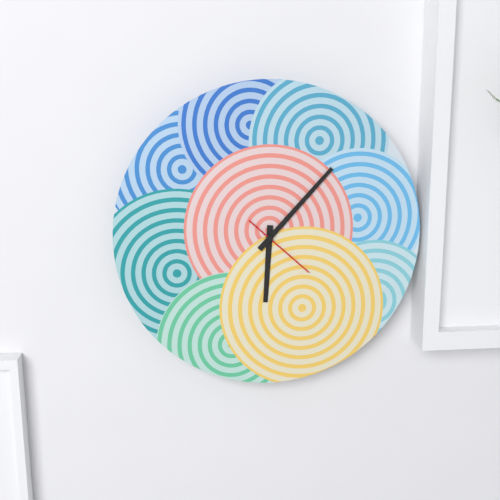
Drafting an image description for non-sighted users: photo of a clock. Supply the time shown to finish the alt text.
6:07:22
